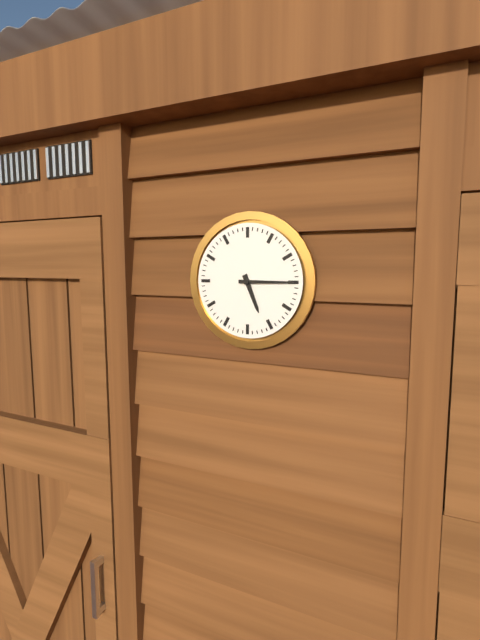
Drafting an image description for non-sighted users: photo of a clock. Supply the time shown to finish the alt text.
5:15
